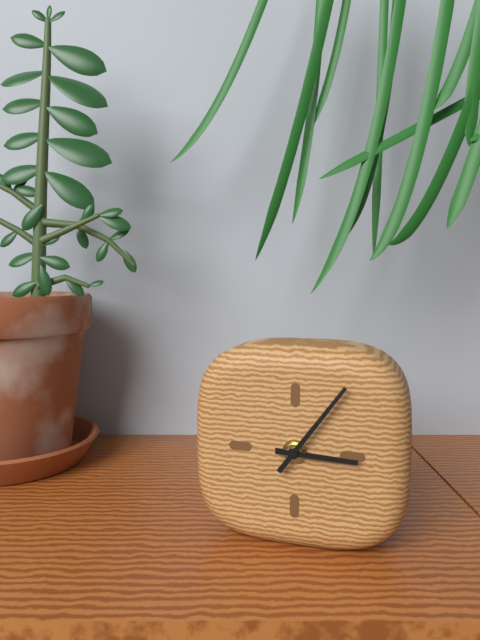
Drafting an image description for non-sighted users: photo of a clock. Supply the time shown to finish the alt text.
3:06
